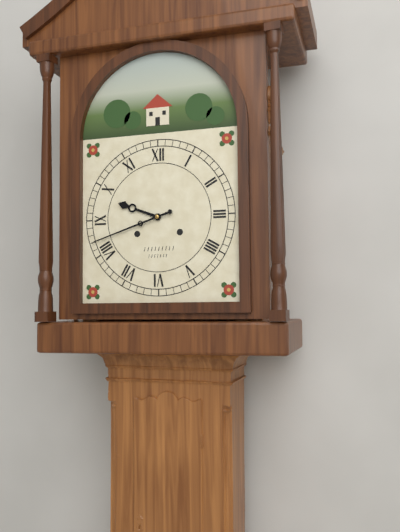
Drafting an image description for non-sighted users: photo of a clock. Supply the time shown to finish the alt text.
9:42
